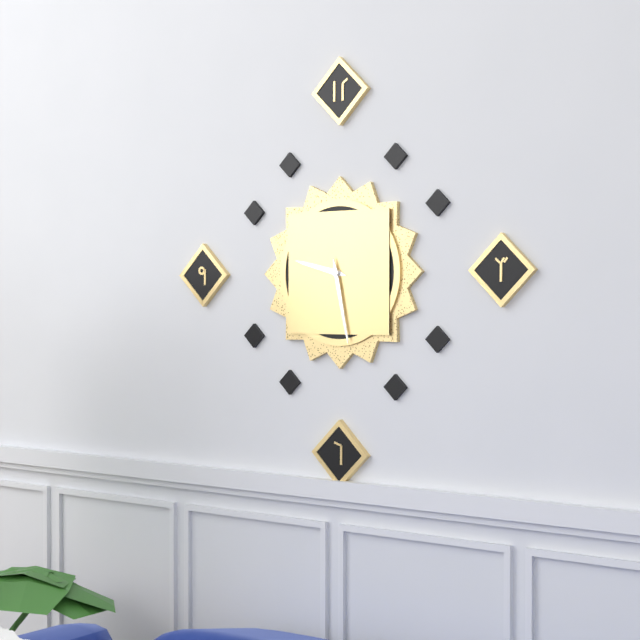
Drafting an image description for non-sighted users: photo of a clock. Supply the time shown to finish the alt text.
9:28
